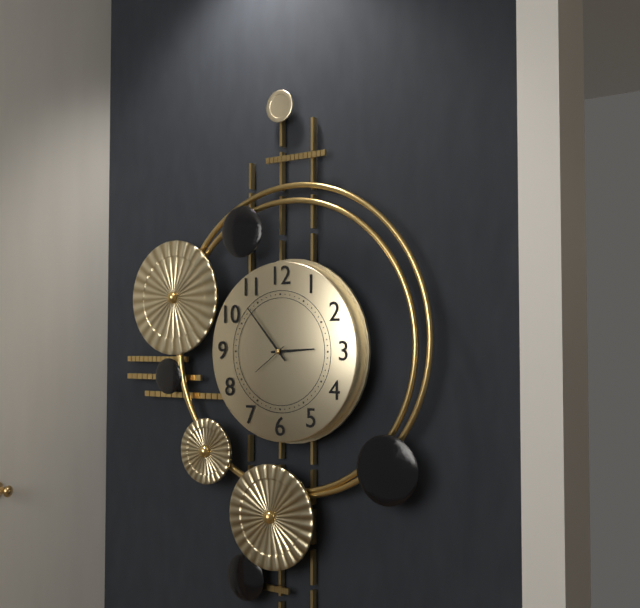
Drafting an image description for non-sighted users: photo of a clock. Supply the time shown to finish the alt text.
2:53
